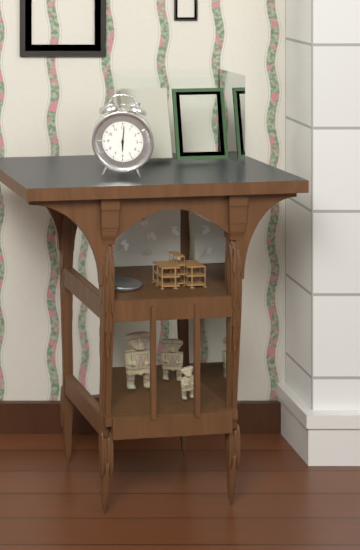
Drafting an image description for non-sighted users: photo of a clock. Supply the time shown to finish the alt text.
6:01
